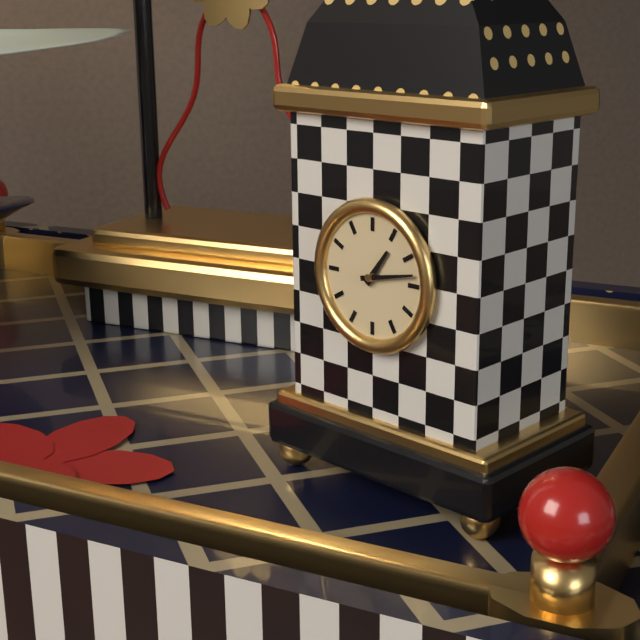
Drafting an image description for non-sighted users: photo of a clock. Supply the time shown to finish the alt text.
1:13
